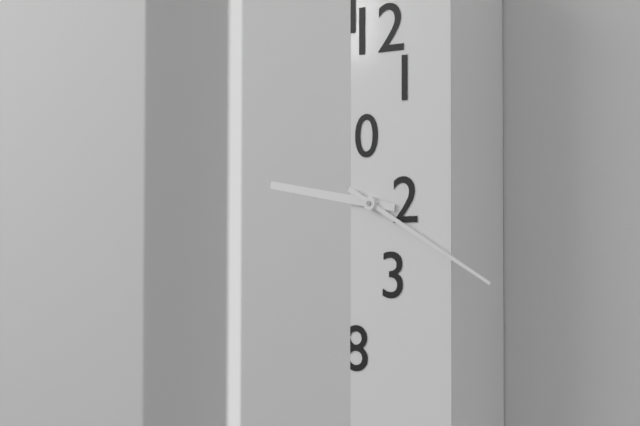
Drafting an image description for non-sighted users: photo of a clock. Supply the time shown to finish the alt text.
9:20
